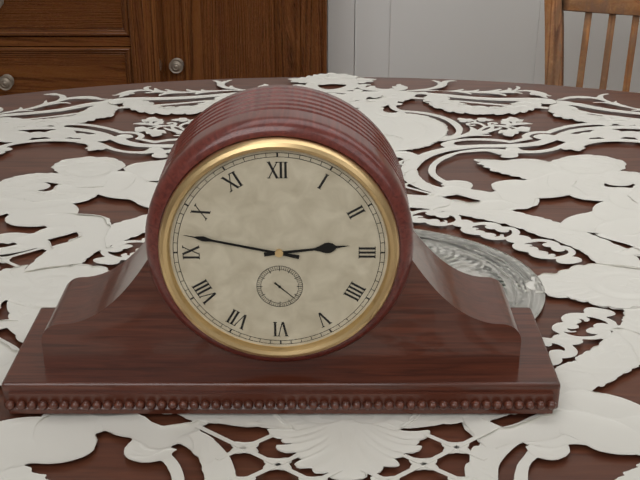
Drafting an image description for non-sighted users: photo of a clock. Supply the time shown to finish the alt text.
2:47:22
